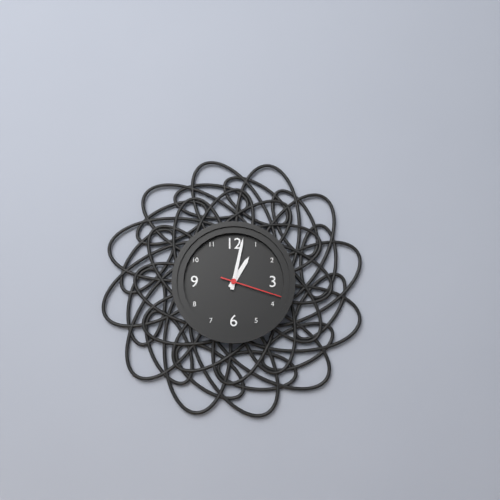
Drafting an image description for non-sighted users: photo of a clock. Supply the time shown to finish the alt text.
1:02:18
